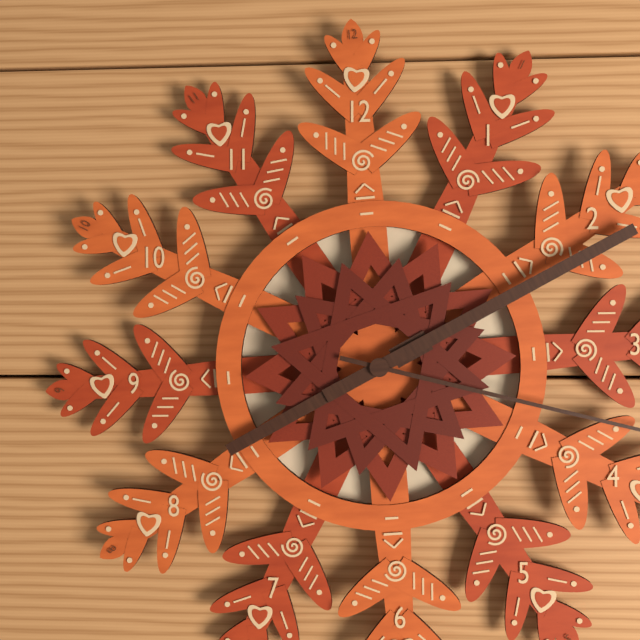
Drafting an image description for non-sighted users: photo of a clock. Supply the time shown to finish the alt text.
8:11
